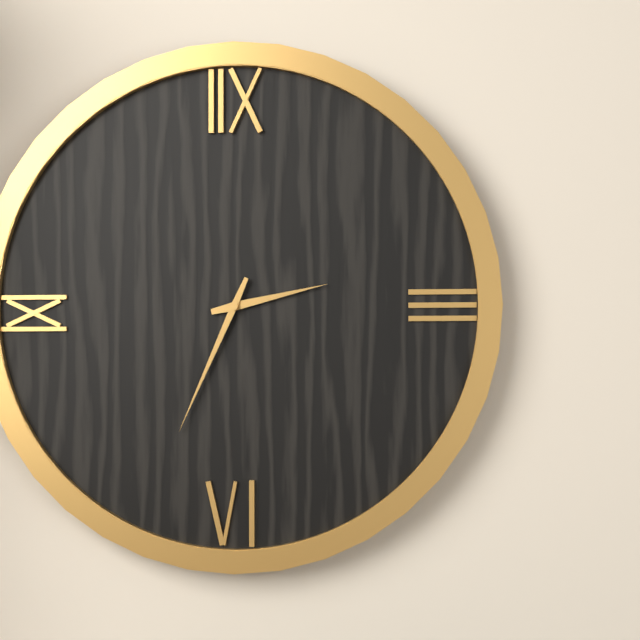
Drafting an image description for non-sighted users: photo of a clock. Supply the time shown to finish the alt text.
2:34
